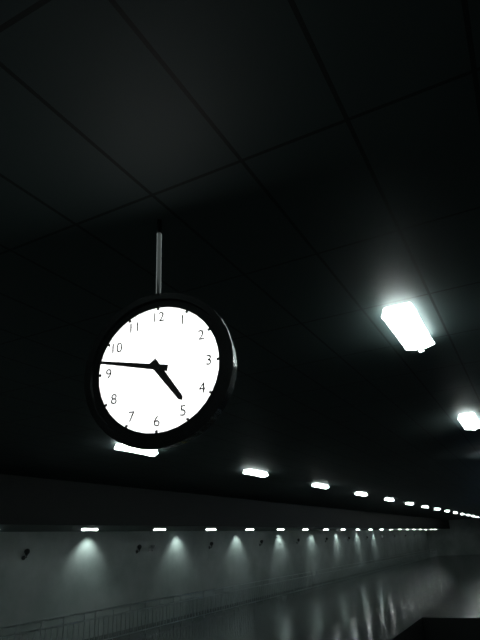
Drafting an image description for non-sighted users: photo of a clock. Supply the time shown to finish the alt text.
4:47
